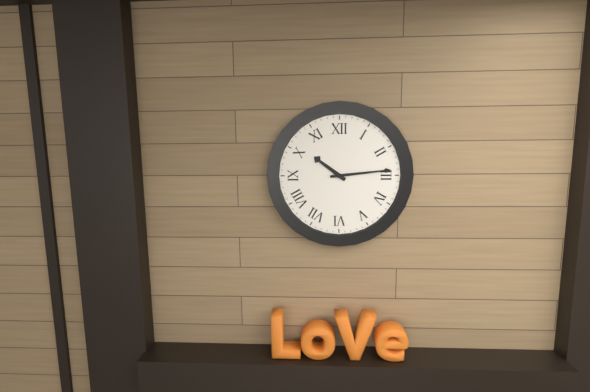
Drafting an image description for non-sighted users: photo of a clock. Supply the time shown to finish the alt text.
10:14
